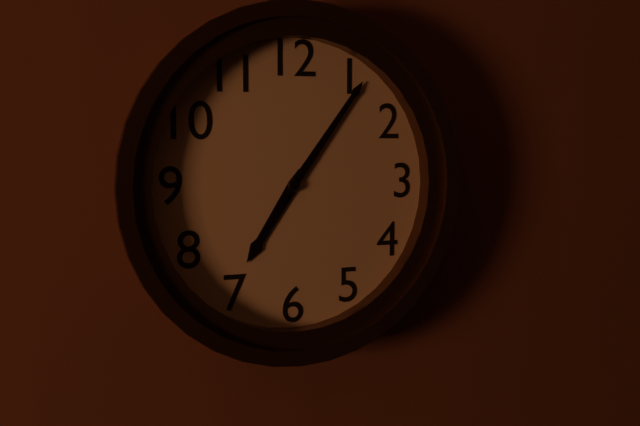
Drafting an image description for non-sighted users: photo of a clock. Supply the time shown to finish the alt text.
7:06
